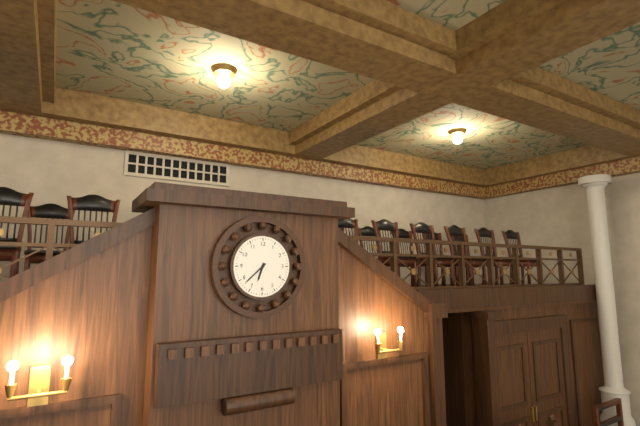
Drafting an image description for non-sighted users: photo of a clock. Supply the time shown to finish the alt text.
6:38
